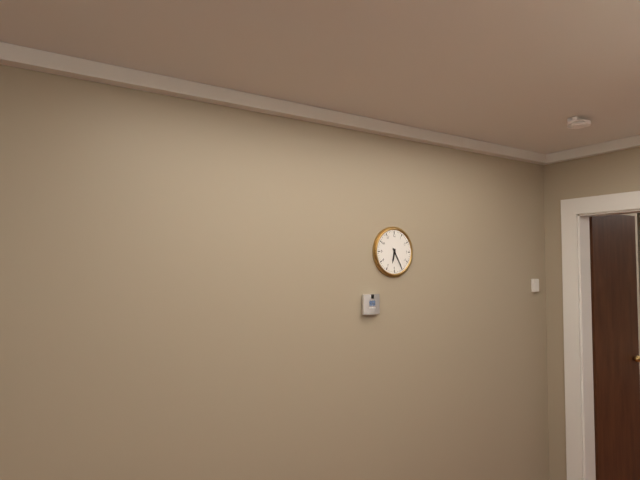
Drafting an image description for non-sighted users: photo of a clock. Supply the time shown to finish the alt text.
6:25
